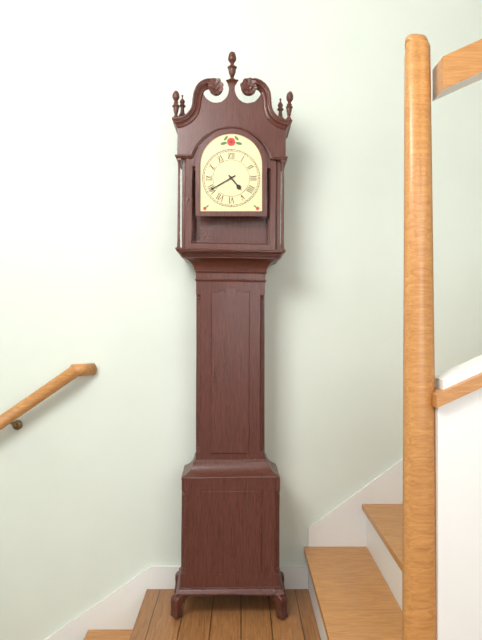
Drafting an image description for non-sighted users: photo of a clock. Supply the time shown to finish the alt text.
4:40
